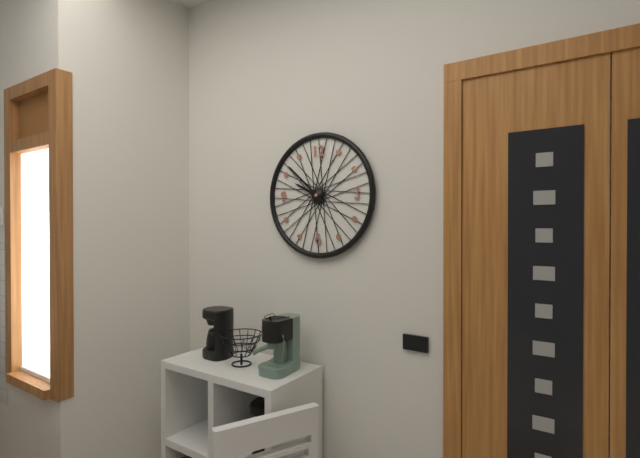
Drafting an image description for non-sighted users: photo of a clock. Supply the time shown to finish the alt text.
9:52
